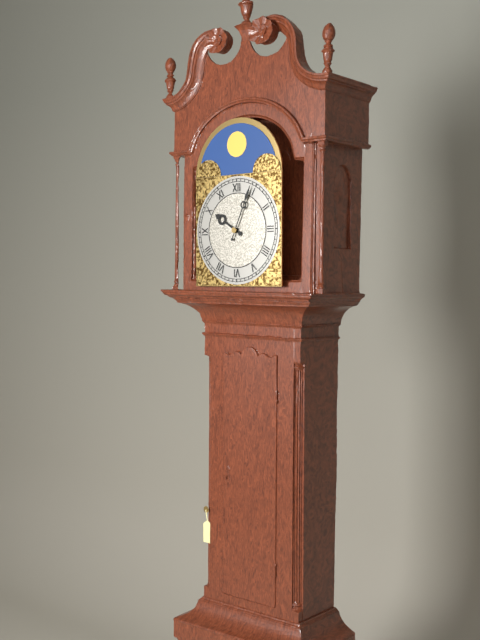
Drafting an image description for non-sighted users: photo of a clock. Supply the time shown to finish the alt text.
10:04
